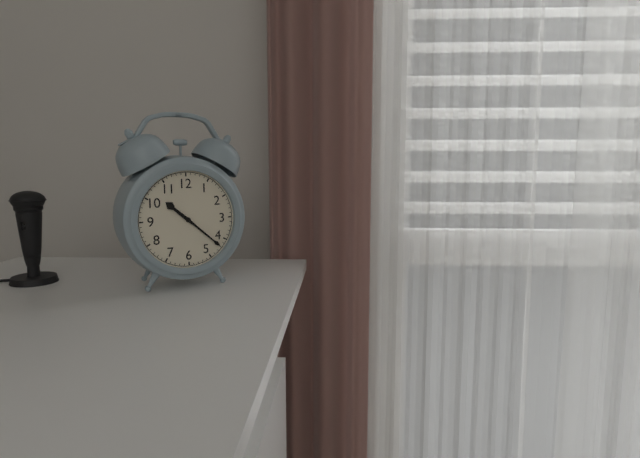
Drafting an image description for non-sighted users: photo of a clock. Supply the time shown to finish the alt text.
10:22
